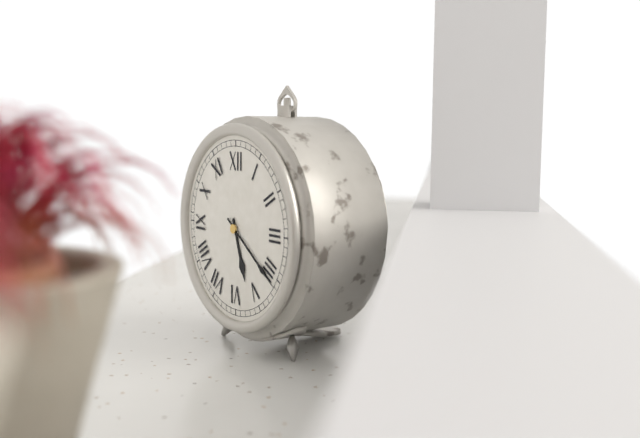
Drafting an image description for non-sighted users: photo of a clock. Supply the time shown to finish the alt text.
5:21
